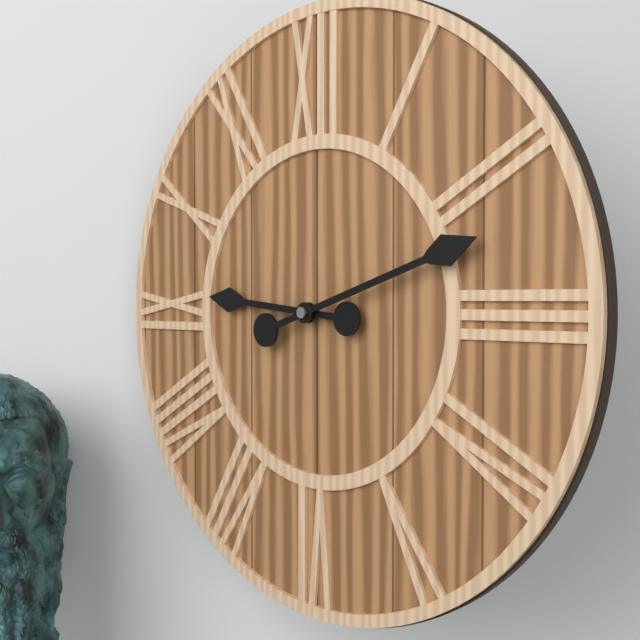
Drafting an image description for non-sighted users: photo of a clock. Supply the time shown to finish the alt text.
9:12
